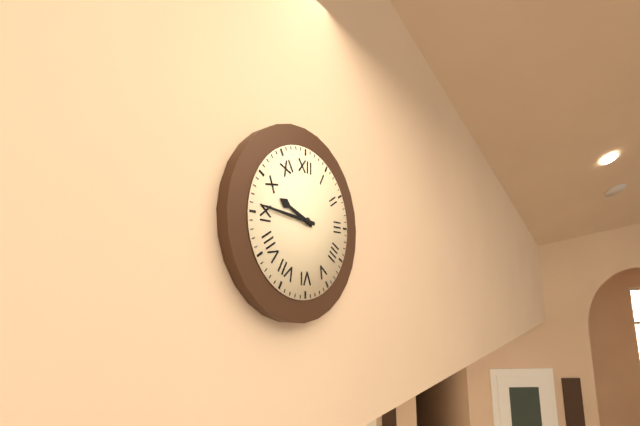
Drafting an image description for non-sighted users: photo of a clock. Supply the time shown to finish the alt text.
9:46
